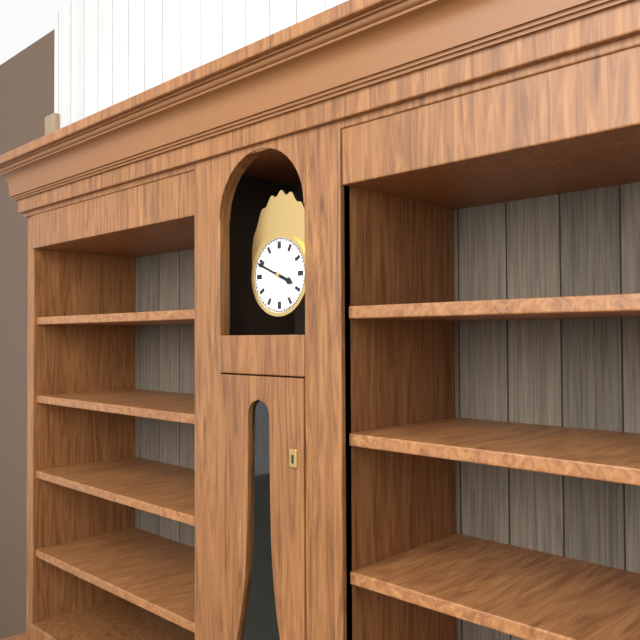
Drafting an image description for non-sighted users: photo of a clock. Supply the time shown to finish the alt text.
3:49
